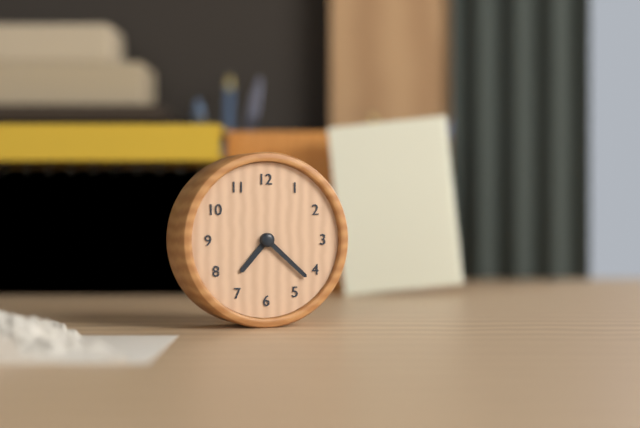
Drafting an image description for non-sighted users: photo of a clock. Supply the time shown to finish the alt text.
7:22
